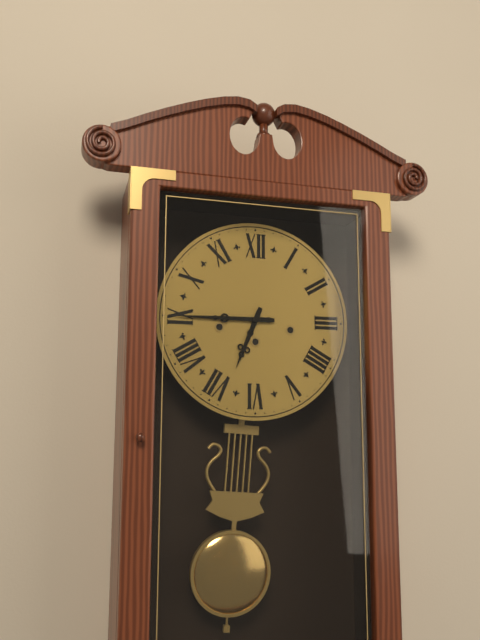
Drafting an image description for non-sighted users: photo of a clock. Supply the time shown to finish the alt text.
6:45
